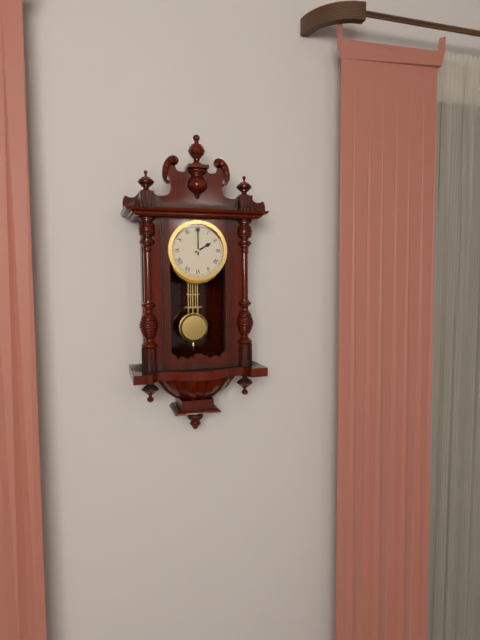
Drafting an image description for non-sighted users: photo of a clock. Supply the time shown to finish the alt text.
2:00
